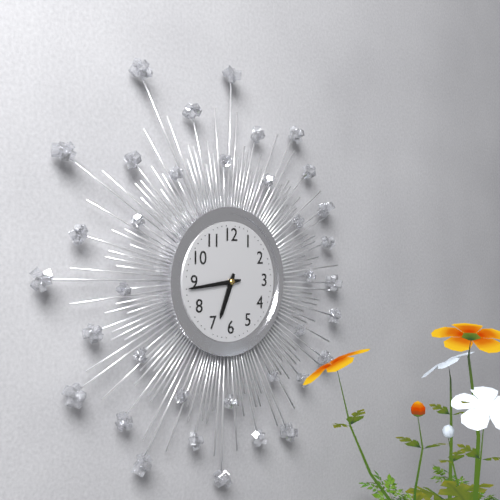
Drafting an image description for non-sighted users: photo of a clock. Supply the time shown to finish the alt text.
6:44
